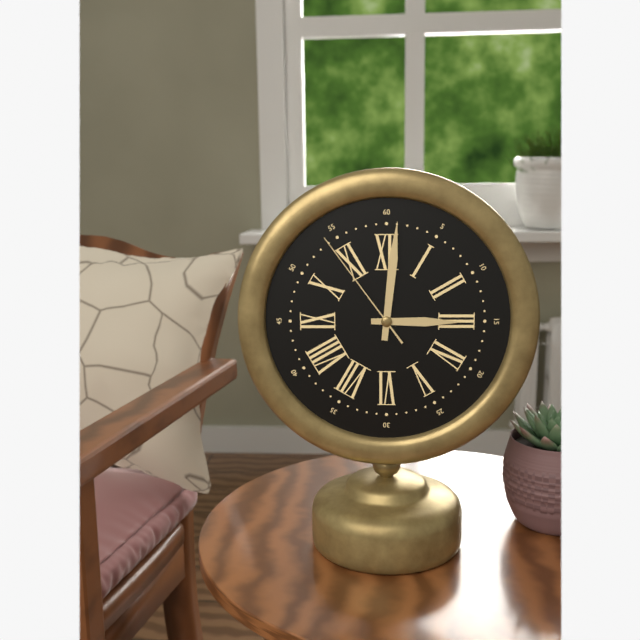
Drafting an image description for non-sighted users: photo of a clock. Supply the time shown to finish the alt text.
3:01:54
